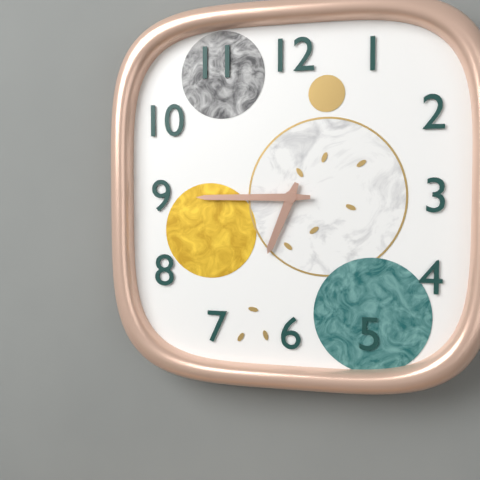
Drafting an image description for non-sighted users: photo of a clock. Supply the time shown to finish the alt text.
6:45
